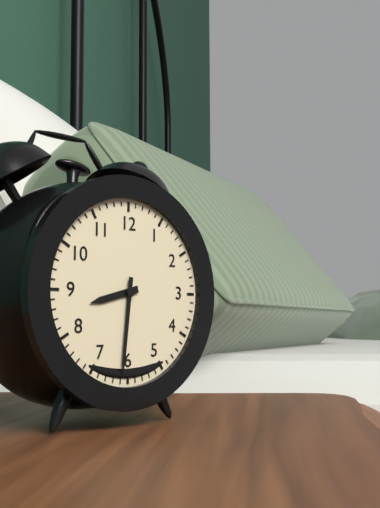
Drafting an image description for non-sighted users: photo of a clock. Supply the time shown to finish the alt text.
8:31
